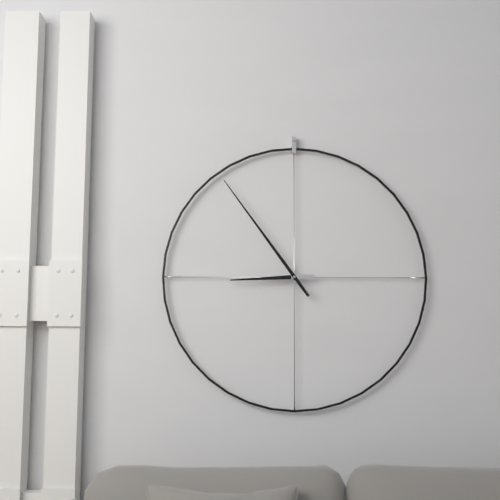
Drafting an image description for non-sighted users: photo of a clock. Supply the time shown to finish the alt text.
8:54
